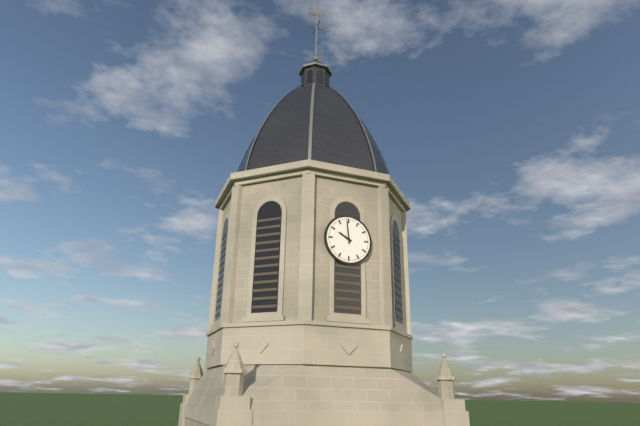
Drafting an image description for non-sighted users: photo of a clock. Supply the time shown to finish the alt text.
9:59
